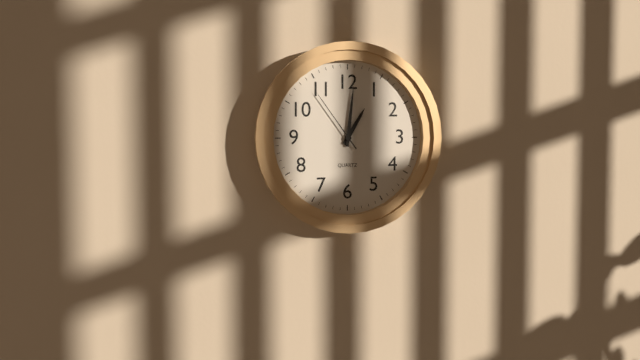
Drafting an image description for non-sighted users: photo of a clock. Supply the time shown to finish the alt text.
1:01:54
